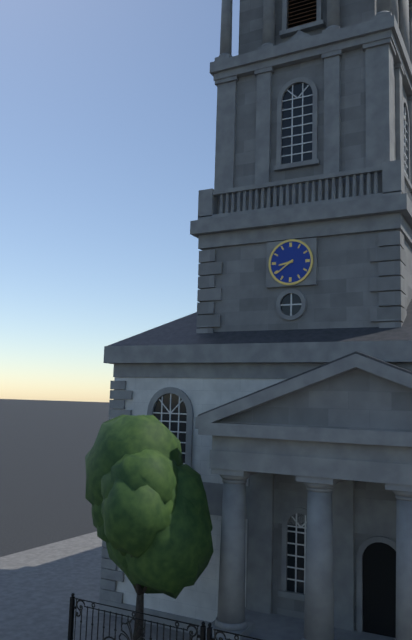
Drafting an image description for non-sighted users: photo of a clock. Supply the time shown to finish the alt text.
8:39
